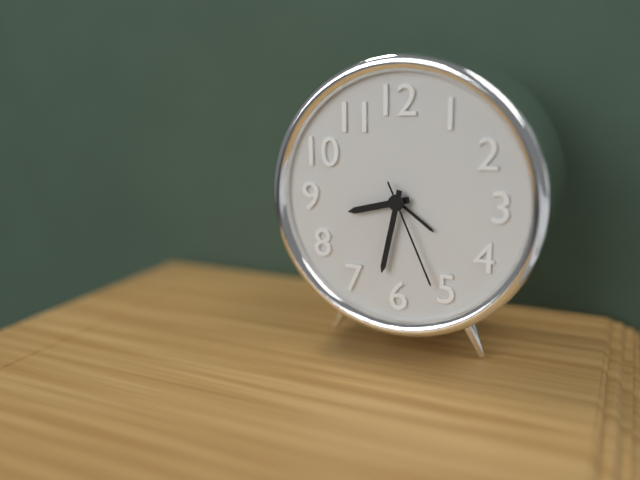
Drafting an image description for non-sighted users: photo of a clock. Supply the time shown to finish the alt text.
8:32:26
